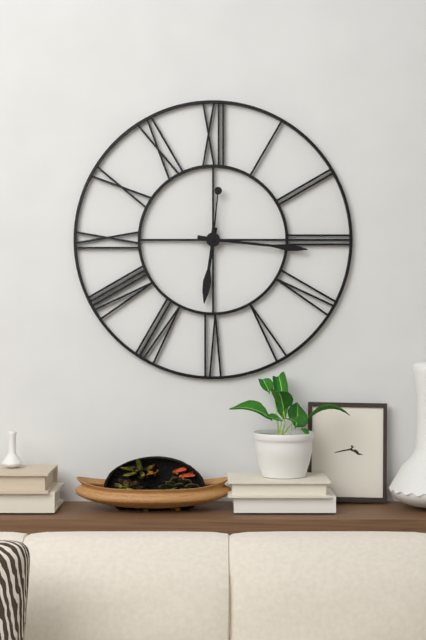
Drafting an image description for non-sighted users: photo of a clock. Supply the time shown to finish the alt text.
6:16:01
